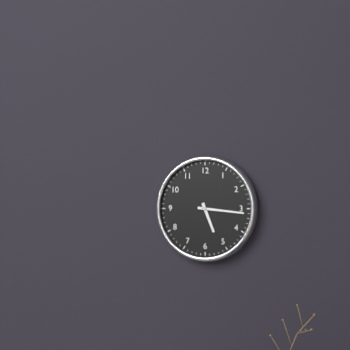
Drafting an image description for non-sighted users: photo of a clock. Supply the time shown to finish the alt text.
5:16
